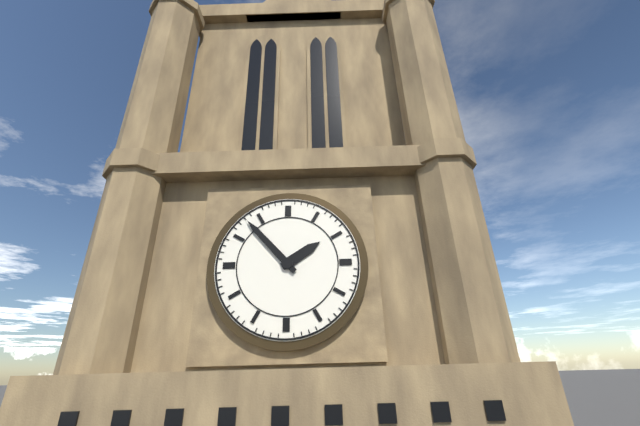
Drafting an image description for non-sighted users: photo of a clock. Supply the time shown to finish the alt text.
1:53
